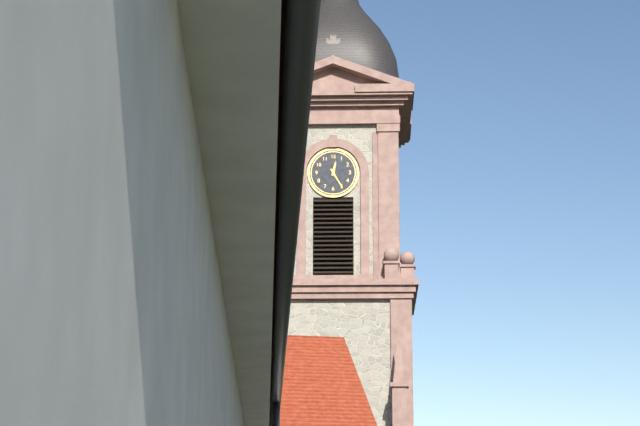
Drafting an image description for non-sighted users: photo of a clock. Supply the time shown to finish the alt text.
12:25
